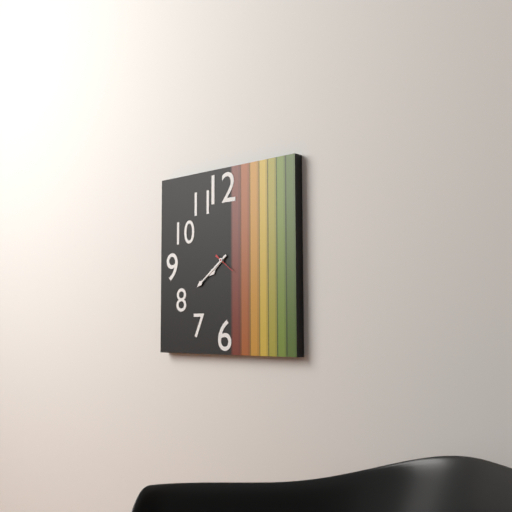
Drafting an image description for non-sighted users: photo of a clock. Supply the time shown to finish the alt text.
7:39
